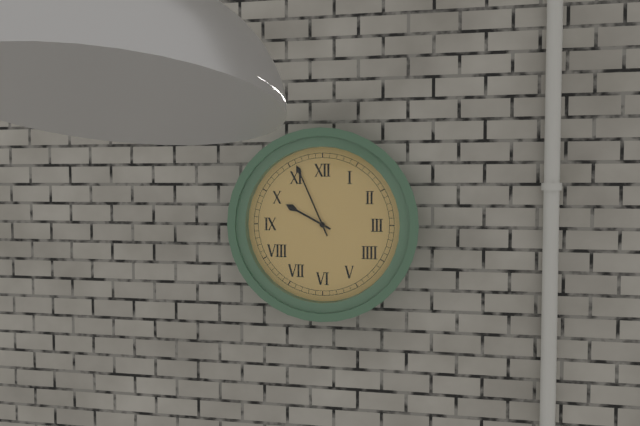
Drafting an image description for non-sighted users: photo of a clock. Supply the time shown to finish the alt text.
9:56
